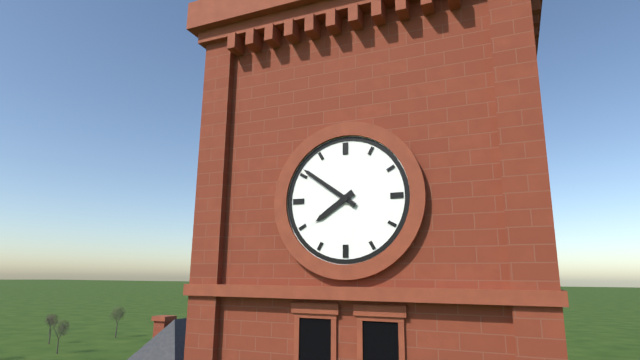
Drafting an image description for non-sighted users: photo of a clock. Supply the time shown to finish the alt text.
7:51
